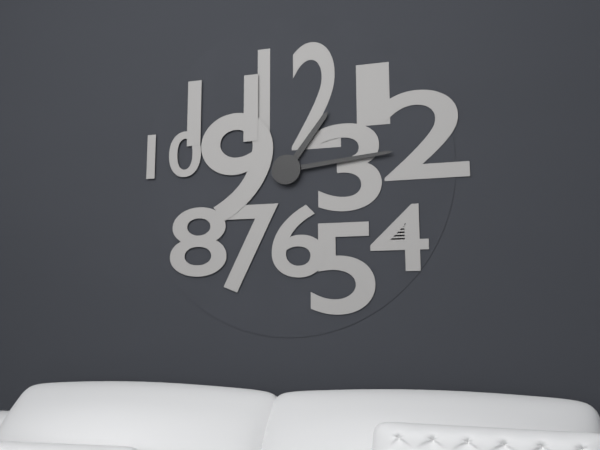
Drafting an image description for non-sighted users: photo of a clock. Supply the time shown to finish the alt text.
1:14
